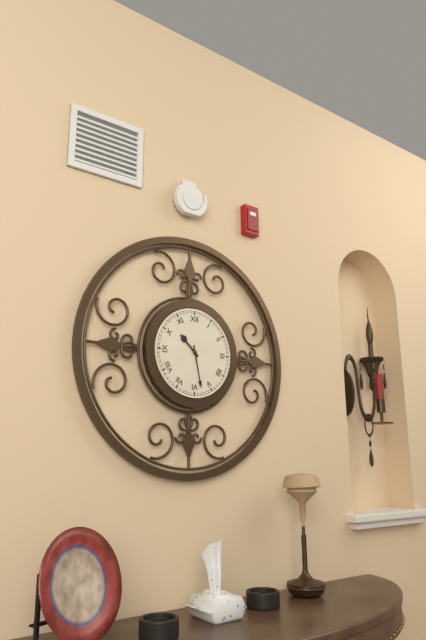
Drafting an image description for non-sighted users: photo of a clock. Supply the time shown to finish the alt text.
10:28
